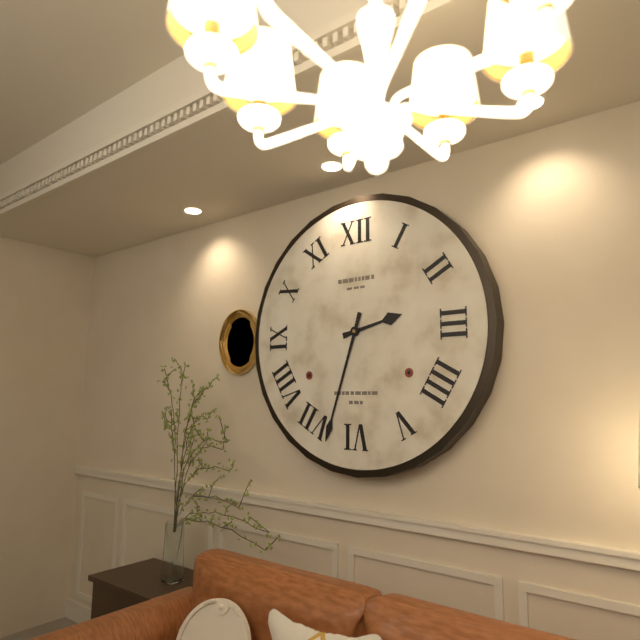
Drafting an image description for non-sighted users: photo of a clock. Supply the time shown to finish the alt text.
2:33
